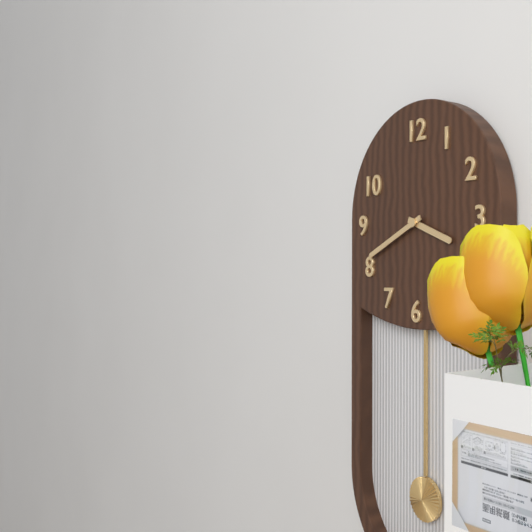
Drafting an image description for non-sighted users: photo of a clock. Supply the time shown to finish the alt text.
3:41
